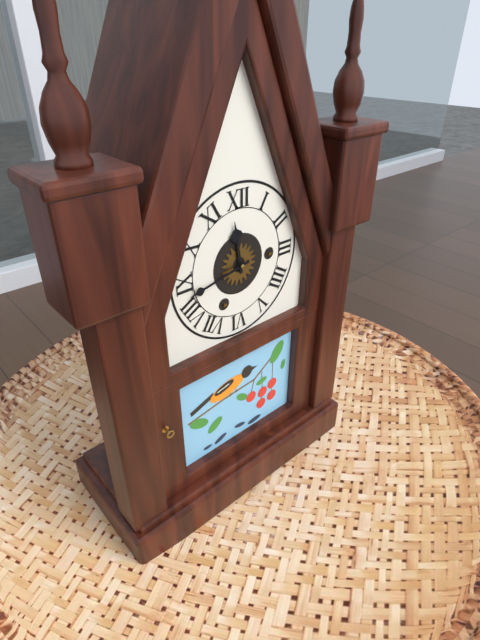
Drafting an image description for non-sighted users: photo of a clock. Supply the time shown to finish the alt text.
11:43
